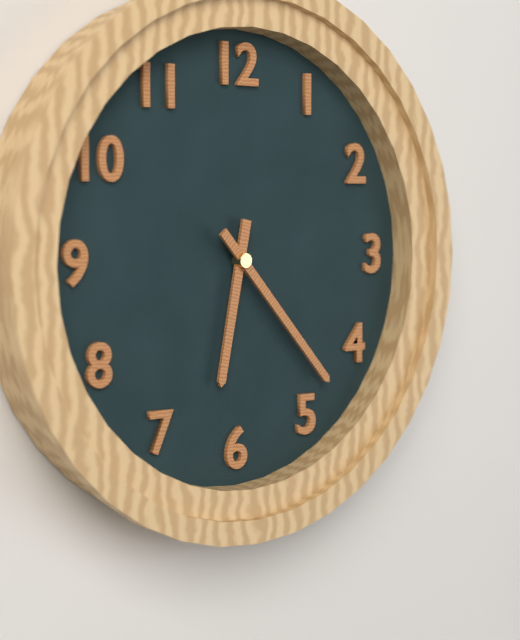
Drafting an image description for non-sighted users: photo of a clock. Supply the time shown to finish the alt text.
6:23
